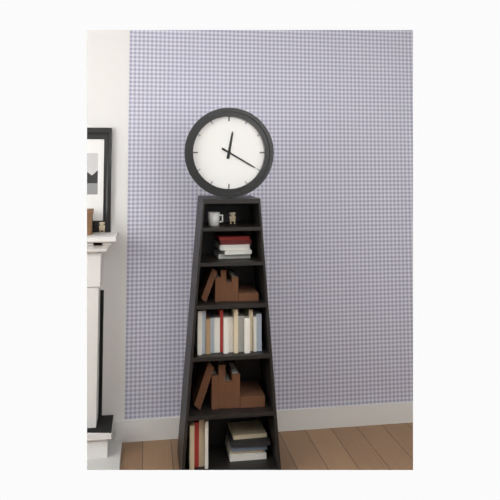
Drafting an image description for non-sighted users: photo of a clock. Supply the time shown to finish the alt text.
12:20
